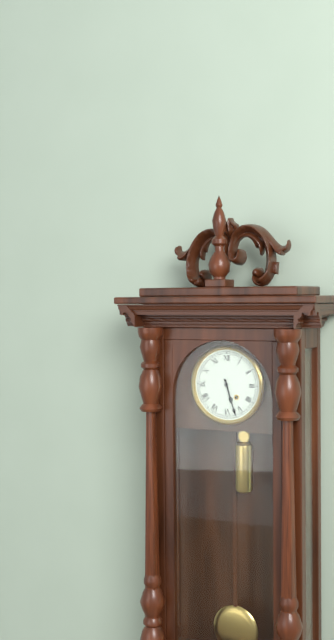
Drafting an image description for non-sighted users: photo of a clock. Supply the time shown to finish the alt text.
5:27
